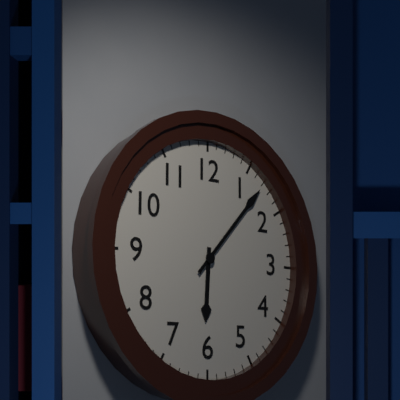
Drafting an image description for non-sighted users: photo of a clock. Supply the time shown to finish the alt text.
6:07
